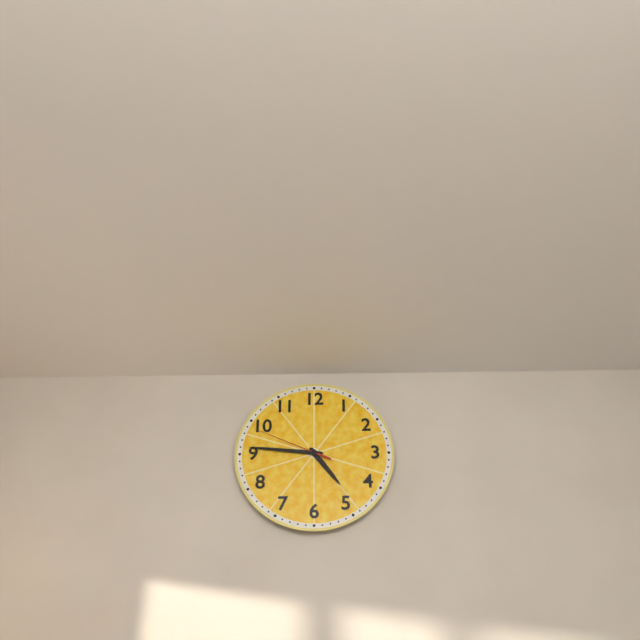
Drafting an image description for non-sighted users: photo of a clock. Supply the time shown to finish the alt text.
4:46:49
